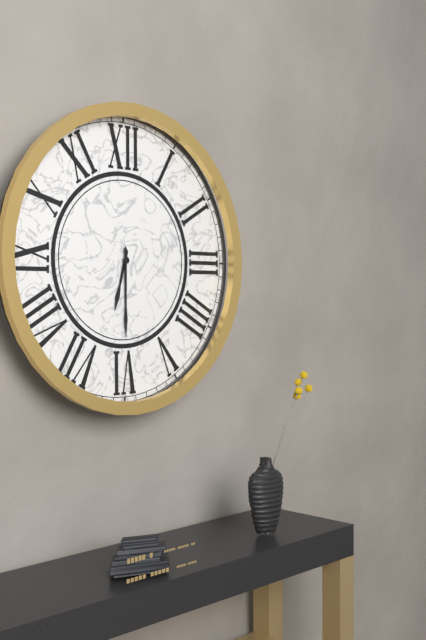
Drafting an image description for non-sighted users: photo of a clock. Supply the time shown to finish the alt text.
6:30
